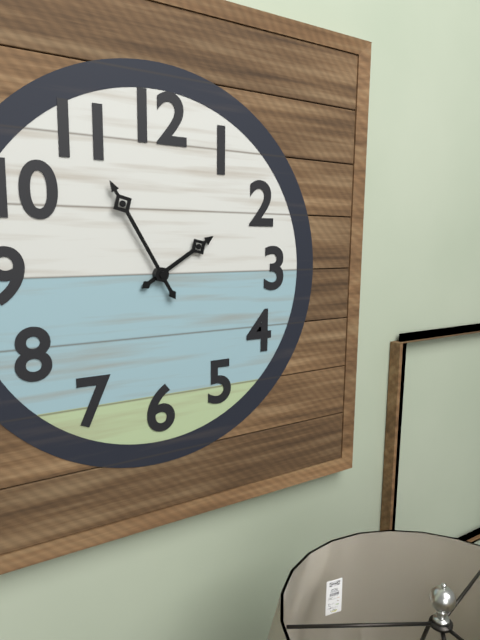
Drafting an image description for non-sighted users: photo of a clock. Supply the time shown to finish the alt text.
1:55
